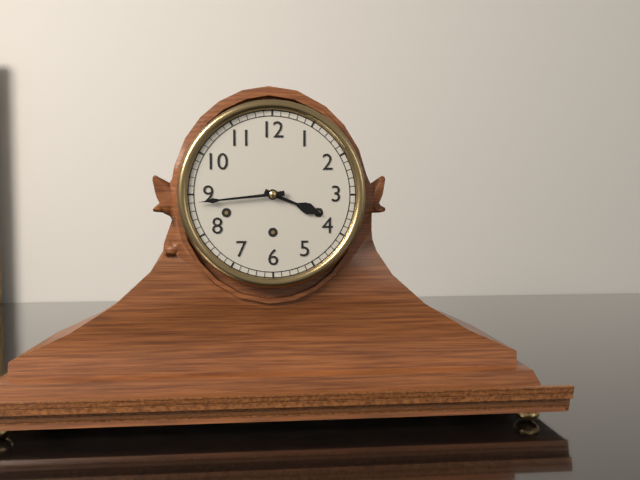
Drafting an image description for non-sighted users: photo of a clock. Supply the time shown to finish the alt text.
3:44
